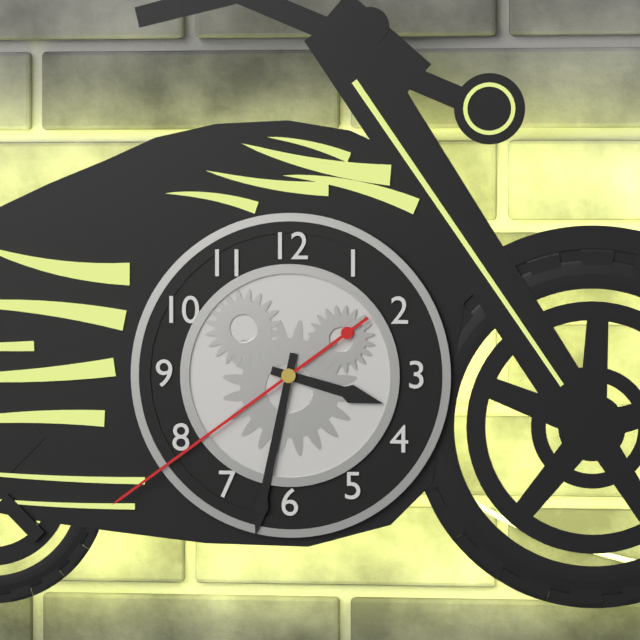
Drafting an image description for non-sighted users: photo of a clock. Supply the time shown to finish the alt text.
3:32:39
